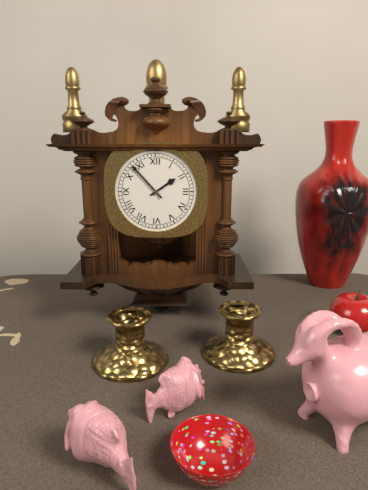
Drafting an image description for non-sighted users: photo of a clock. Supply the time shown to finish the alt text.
1:53
